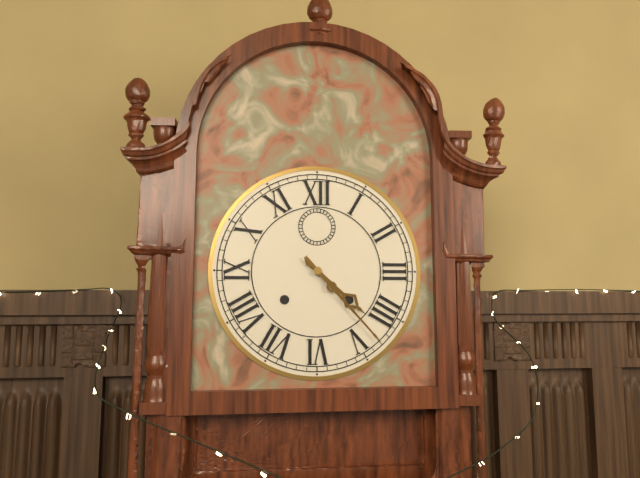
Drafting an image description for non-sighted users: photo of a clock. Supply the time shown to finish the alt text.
4:23
